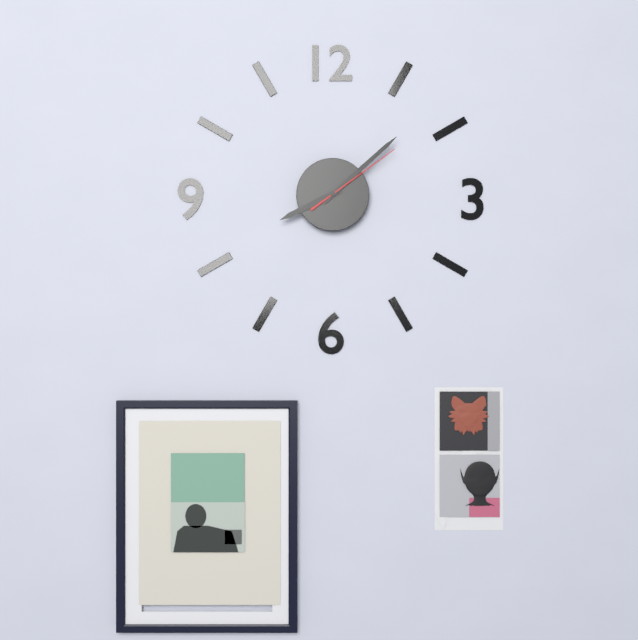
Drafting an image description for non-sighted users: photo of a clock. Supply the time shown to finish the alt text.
8:08:09
